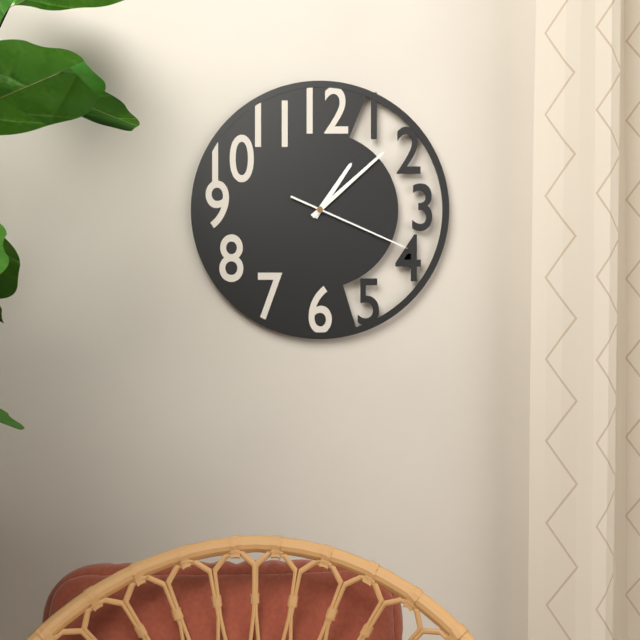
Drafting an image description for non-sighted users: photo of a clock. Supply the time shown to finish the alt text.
1:08:19
